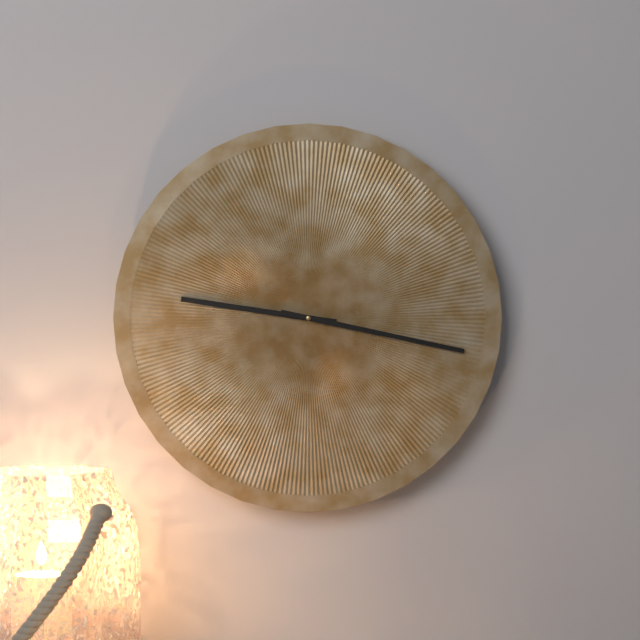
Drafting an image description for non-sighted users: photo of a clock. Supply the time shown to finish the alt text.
9:17
